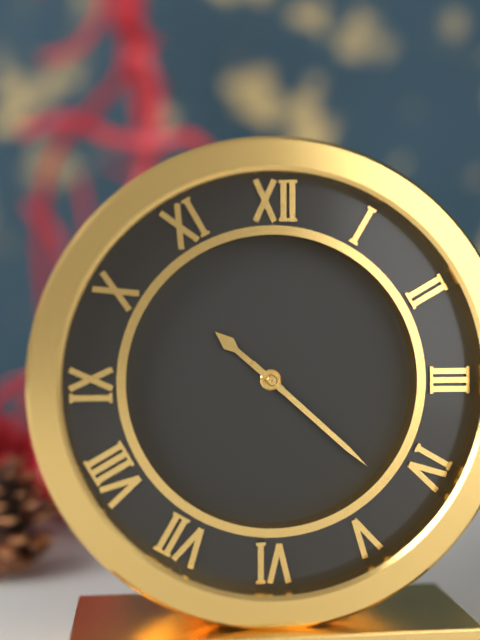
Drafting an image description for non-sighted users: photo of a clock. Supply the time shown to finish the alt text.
10:22
